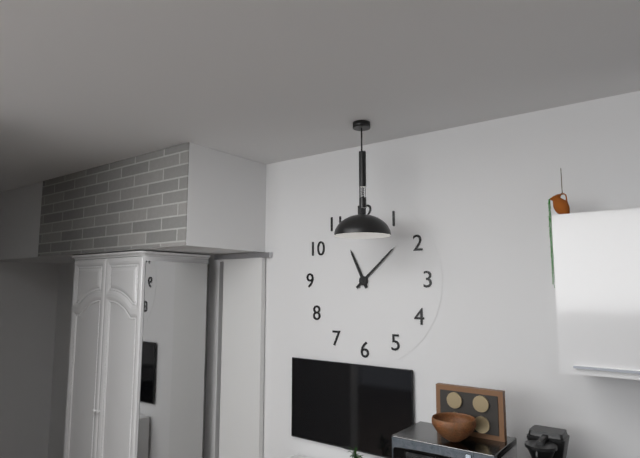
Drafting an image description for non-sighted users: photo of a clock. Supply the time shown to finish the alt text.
11:08
